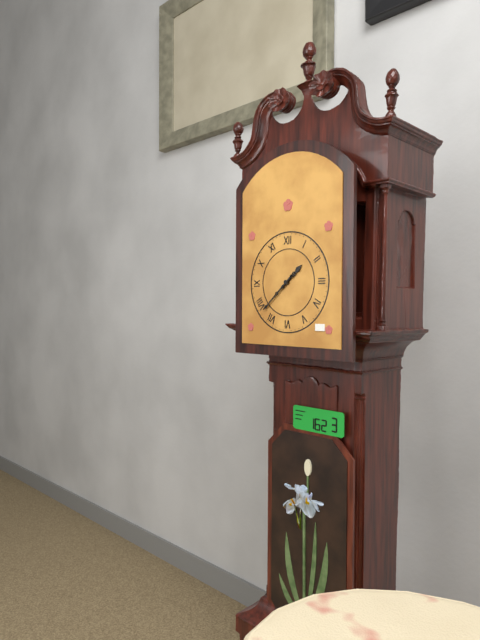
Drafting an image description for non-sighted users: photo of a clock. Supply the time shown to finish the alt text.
1:38
